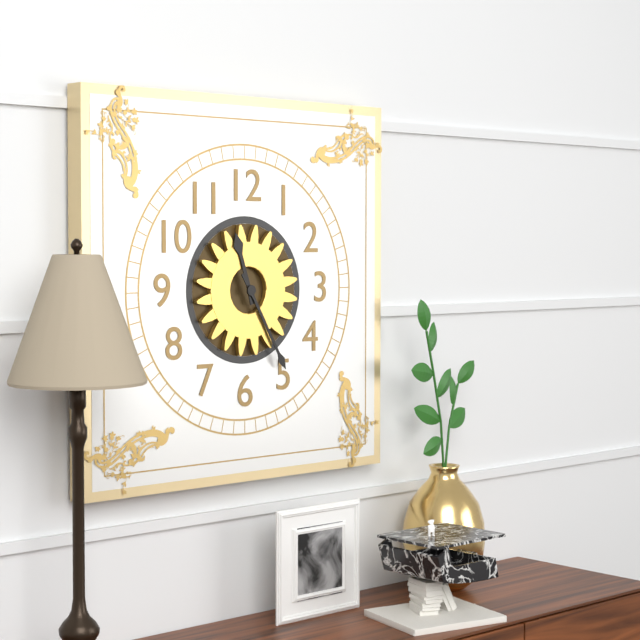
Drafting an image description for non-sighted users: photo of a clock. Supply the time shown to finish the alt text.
11:25
